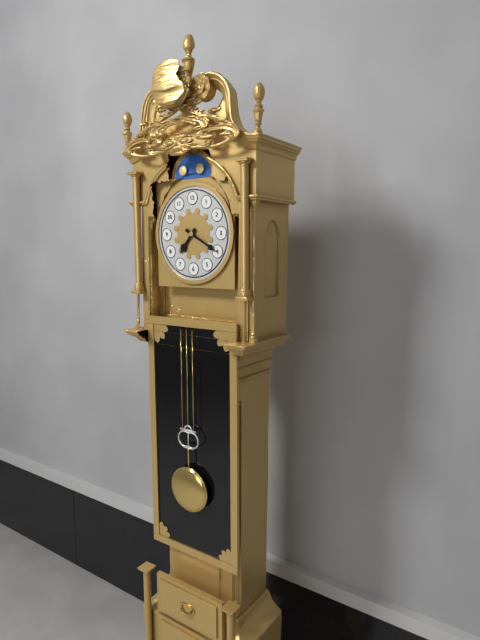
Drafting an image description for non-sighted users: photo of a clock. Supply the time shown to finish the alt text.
7:20
